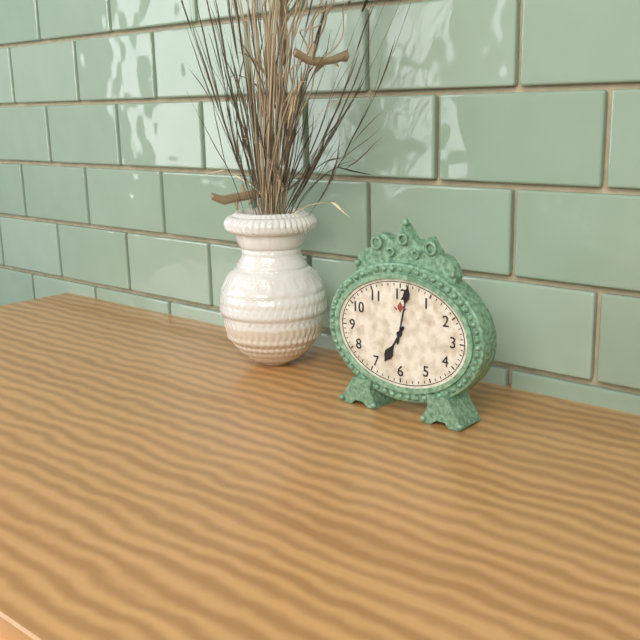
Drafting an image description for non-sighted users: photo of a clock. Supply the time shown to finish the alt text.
7:02
